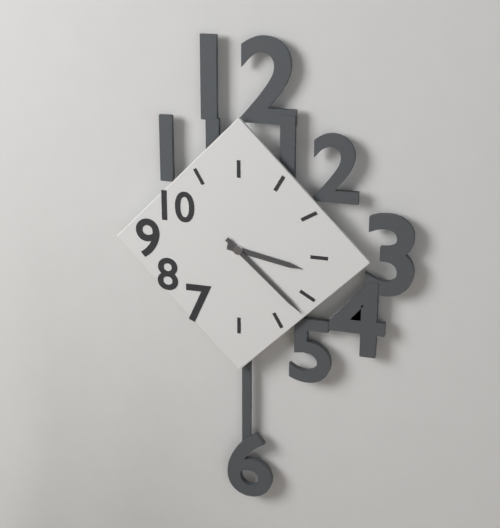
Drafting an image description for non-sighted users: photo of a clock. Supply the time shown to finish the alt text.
3:22
